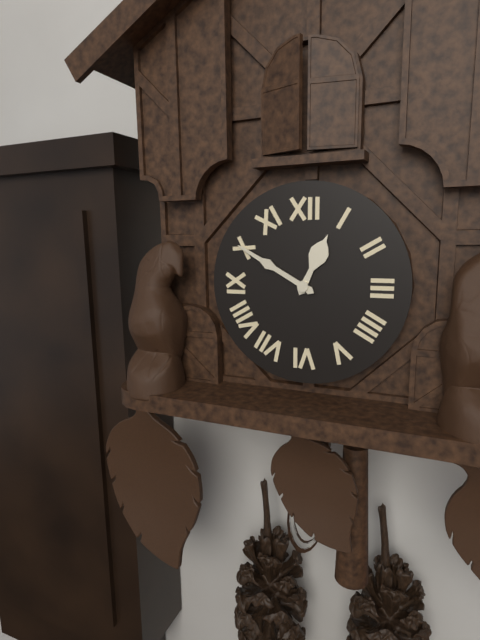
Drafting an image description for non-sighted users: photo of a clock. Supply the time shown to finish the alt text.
12:50
